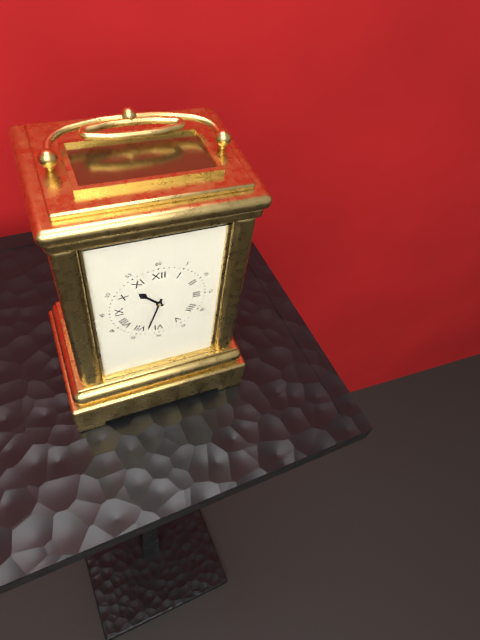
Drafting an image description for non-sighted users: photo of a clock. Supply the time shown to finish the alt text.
10:33
